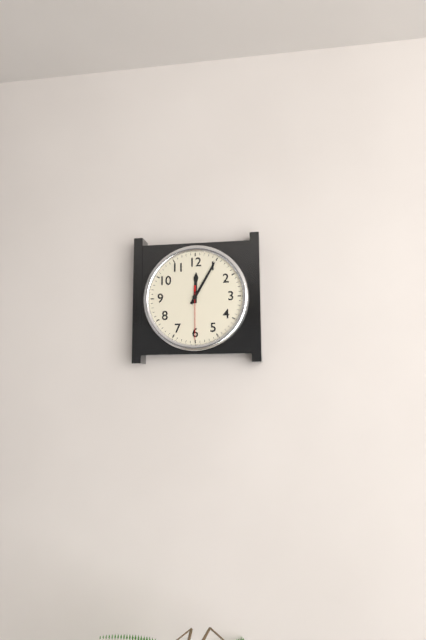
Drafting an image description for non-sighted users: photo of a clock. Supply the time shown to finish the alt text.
12:05:30
